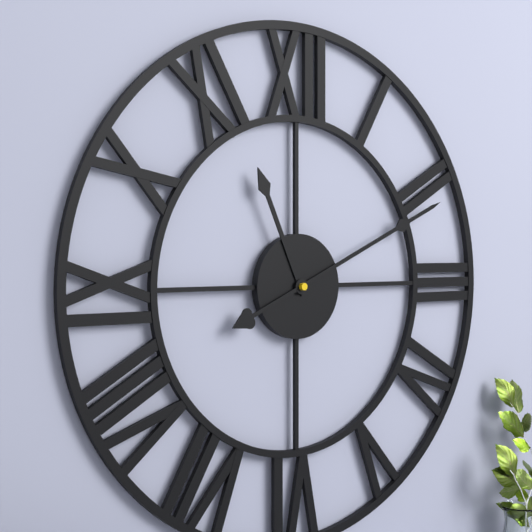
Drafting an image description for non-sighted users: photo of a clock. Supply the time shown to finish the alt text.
11:11
